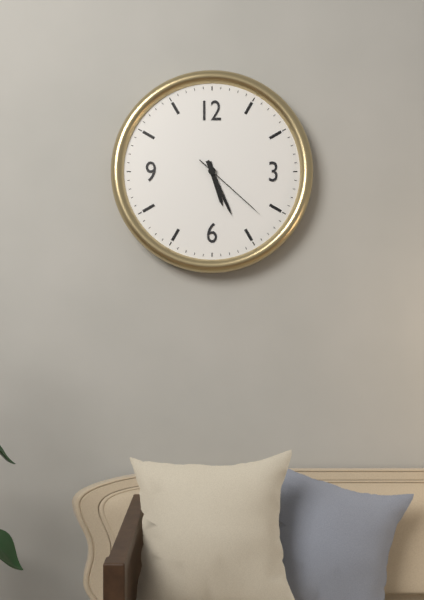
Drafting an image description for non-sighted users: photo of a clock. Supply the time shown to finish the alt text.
5:26:22
